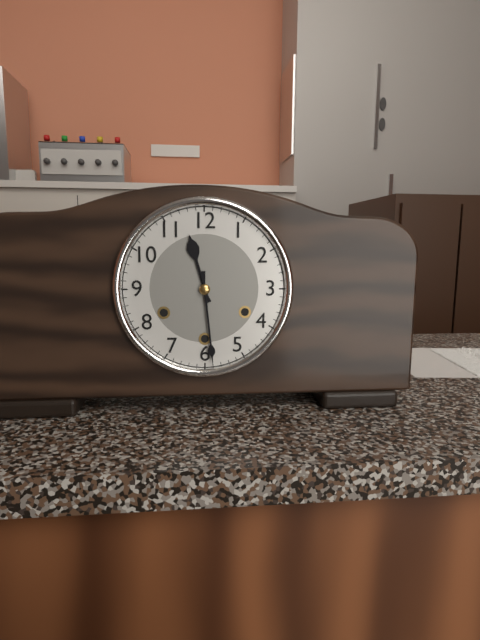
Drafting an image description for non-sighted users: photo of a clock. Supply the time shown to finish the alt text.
11:29
